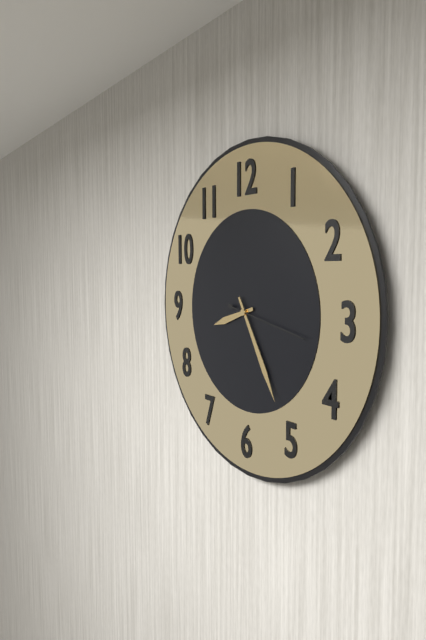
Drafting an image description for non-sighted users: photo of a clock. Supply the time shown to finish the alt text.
8:25:17
